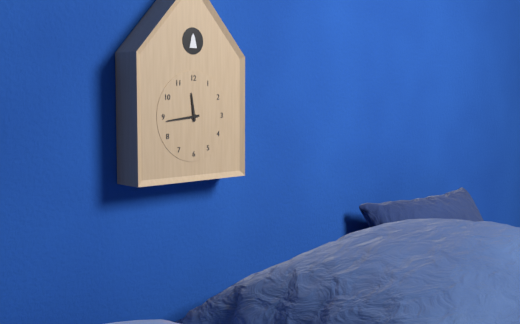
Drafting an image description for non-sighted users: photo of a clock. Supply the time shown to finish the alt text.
11:44
